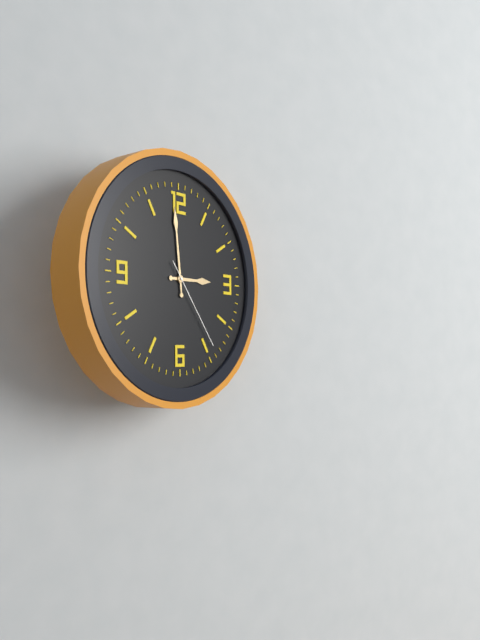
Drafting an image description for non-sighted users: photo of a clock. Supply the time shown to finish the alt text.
2:59:24
